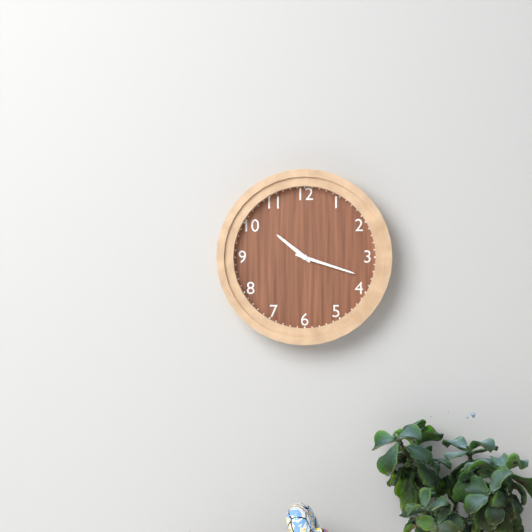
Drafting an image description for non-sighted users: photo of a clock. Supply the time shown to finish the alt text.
10:18
